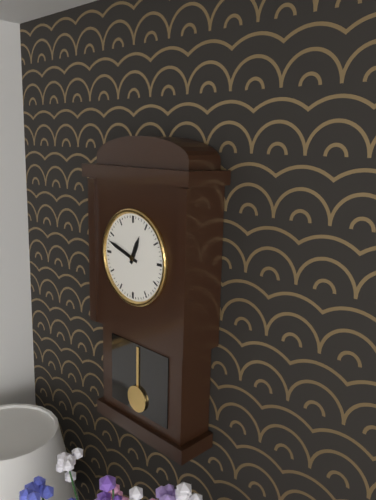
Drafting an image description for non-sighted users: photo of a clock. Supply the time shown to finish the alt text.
12:48
